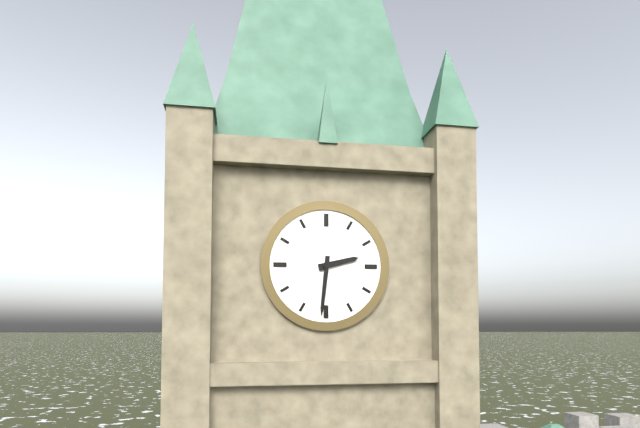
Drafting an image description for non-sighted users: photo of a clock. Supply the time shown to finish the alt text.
2:31
